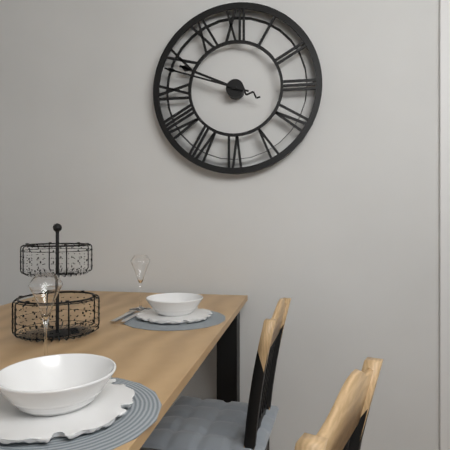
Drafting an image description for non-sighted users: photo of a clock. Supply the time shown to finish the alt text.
9:48
